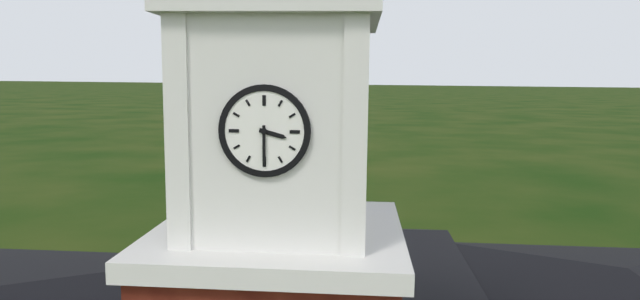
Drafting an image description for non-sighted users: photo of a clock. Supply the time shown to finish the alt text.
3:30
